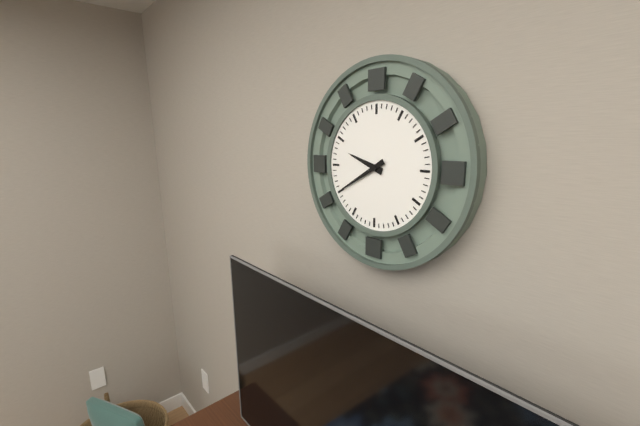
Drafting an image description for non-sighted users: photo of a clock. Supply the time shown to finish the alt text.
9:40
